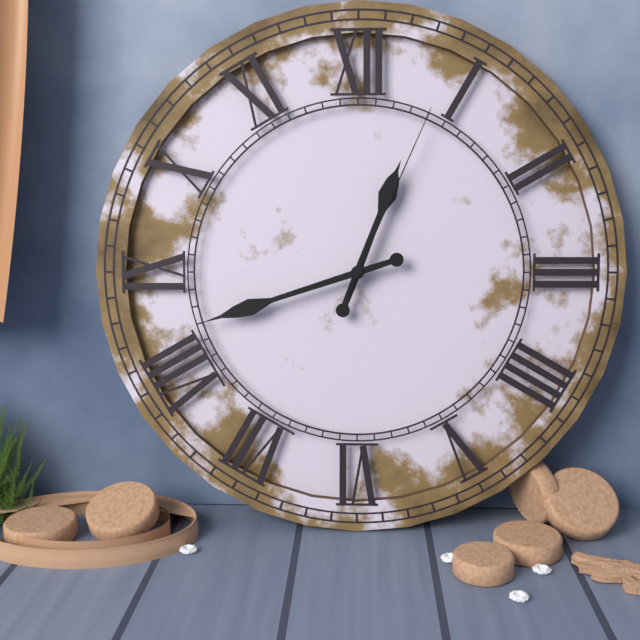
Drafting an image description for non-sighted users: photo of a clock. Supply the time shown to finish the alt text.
12:42:04
